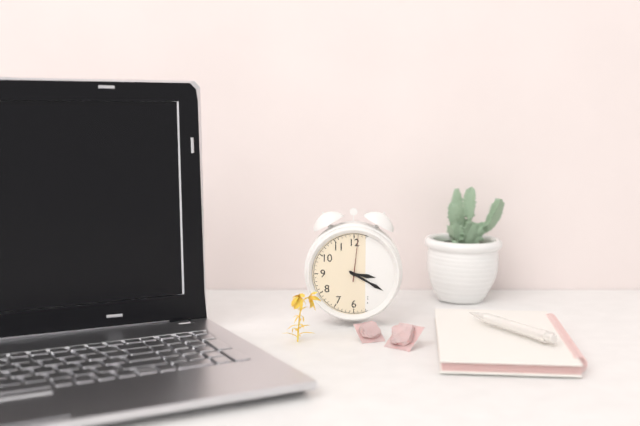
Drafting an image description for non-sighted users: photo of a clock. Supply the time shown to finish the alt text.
3:20
